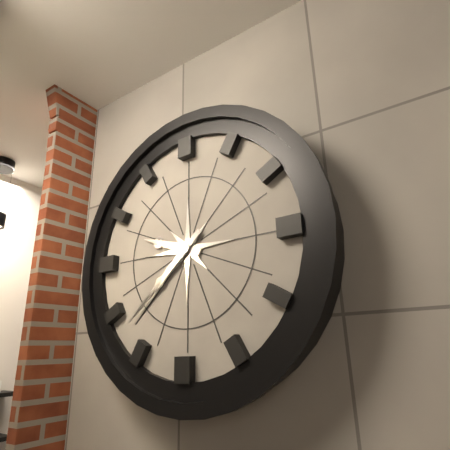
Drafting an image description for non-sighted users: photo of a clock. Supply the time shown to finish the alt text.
9:38
